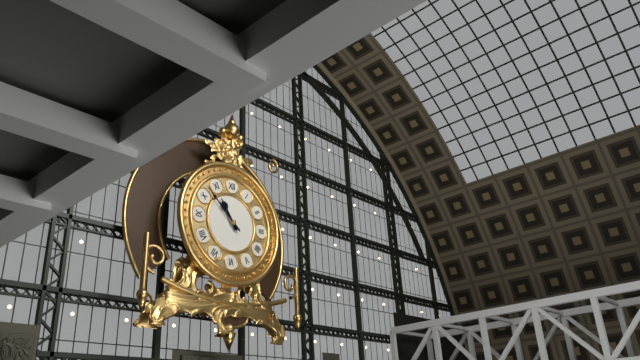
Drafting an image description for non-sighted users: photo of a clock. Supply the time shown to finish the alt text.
10:52
